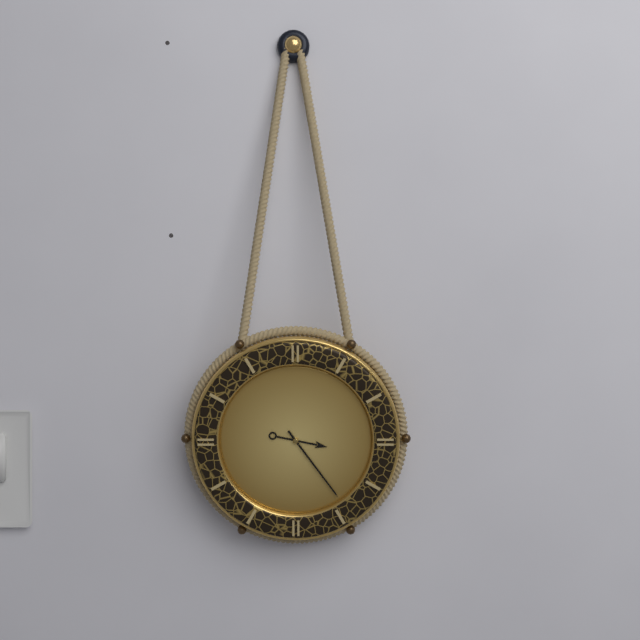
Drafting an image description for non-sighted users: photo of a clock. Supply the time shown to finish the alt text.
3:24
